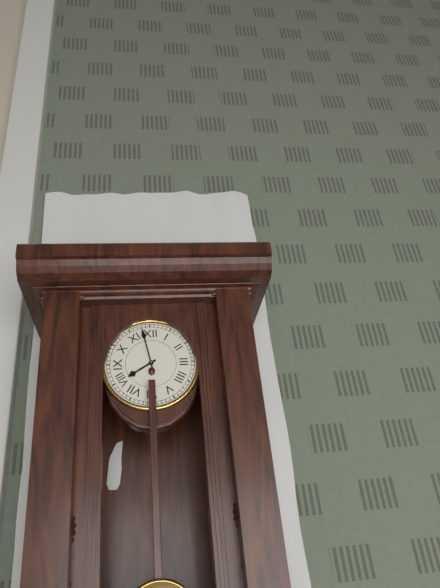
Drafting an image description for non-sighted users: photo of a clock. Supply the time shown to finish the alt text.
7:58
